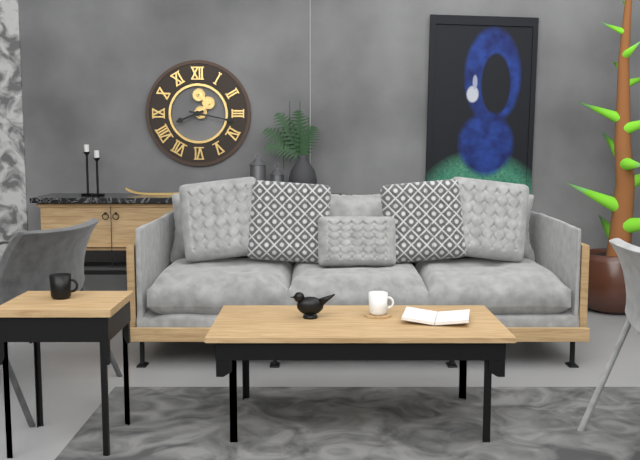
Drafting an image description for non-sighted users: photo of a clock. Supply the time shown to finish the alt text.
8:17
